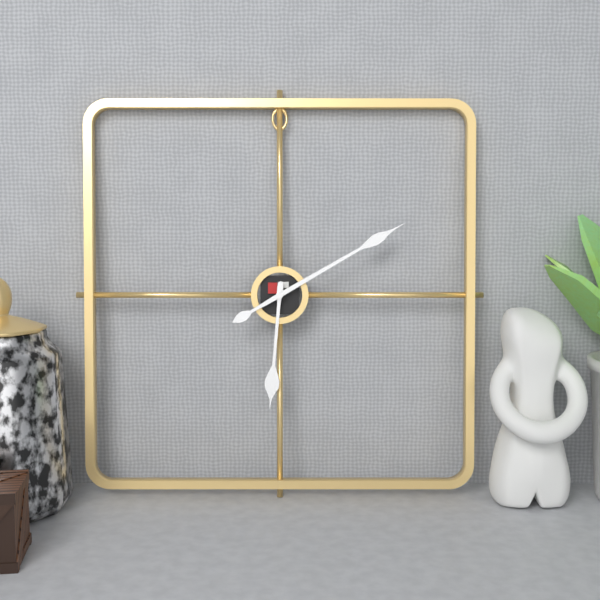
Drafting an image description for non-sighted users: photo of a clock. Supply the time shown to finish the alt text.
6:10
